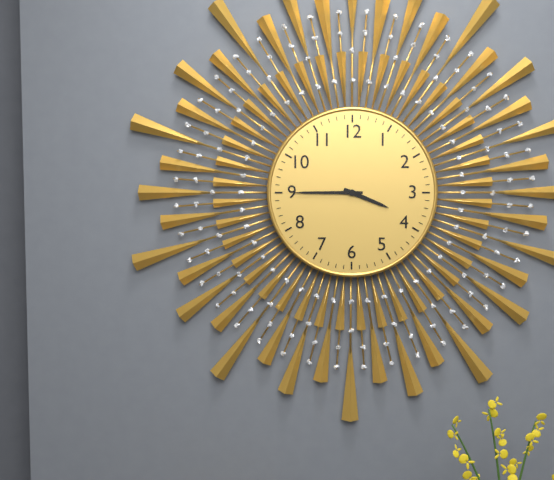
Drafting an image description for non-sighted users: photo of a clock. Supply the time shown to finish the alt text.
3:45
